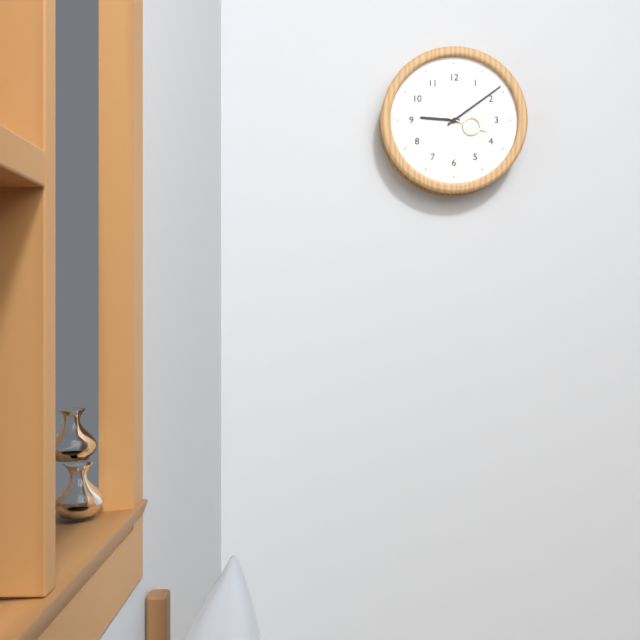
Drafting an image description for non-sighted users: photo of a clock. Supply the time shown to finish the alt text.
9:09
